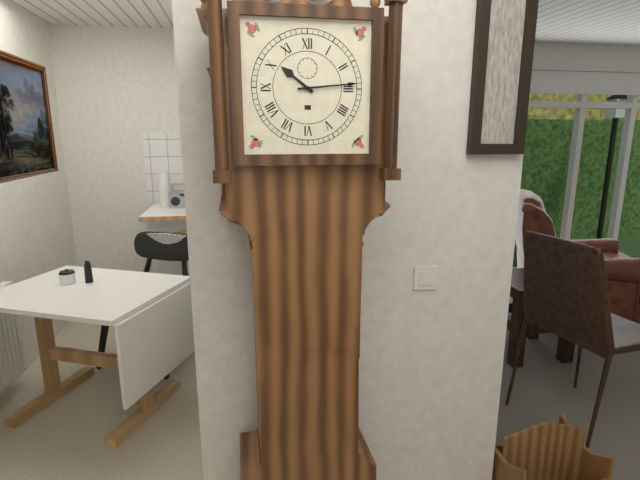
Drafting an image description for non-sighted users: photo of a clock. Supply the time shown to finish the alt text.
10:14
